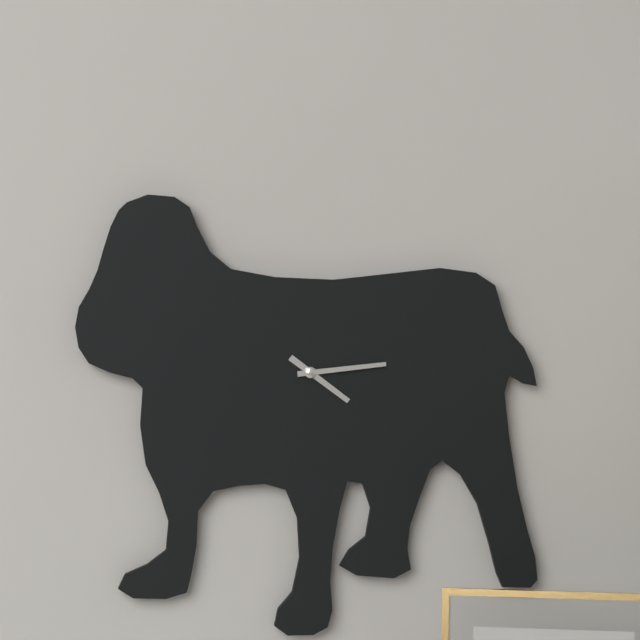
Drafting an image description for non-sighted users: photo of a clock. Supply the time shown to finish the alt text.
4:14
